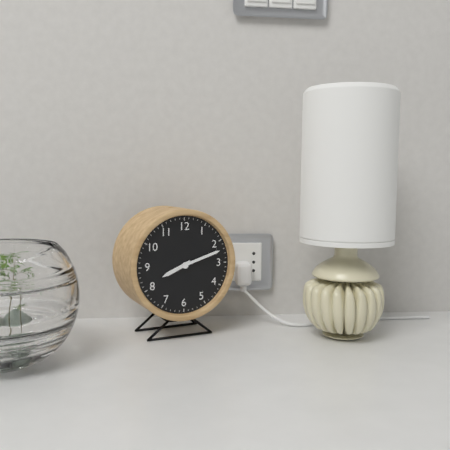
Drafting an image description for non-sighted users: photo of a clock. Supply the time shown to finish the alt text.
8:12
